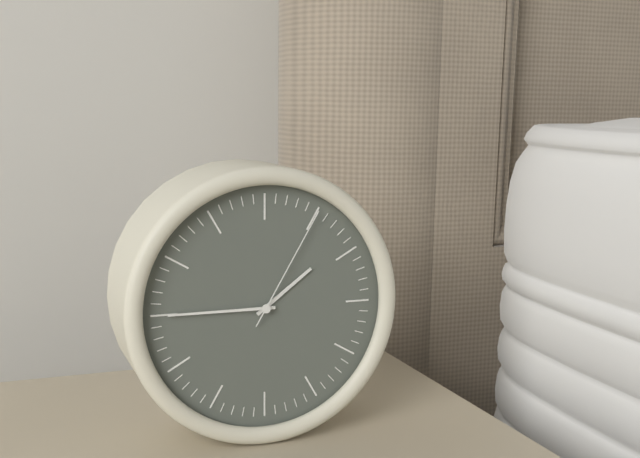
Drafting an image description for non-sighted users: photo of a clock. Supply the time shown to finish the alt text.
1:45:05
